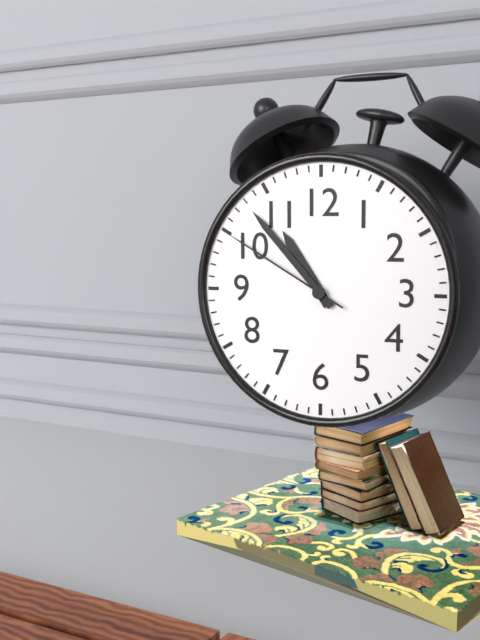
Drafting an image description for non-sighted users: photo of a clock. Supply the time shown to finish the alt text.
10:53:50
